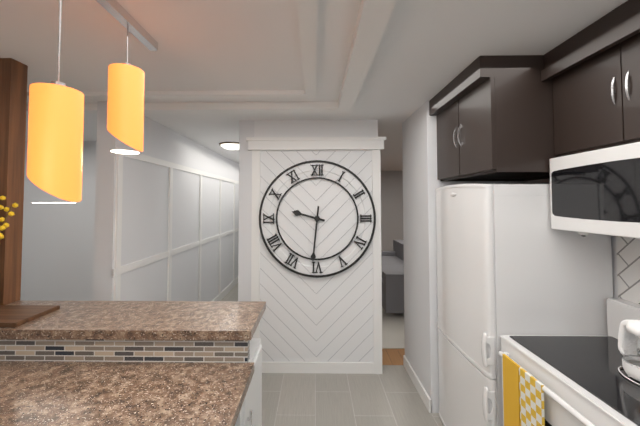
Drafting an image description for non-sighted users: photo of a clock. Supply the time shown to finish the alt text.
9:31
